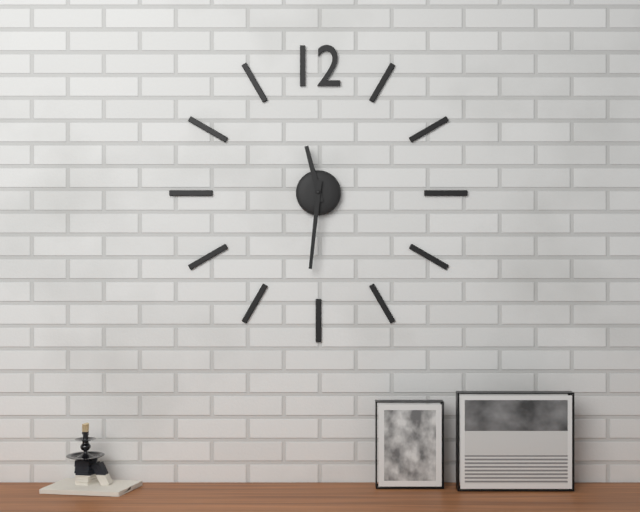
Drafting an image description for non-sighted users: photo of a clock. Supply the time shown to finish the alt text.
11:31
